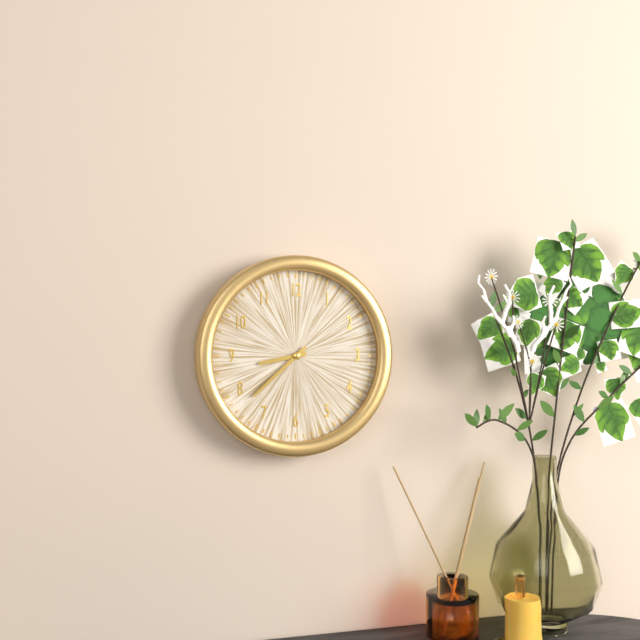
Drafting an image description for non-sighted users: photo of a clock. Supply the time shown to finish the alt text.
8:38
